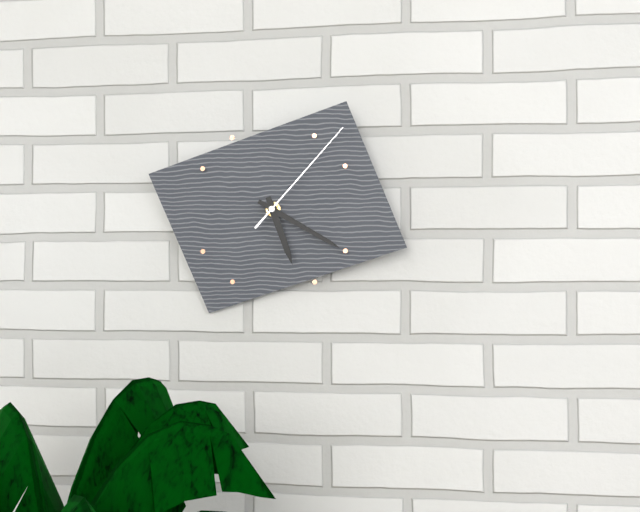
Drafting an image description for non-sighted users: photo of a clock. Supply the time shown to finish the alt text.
5:20:07
